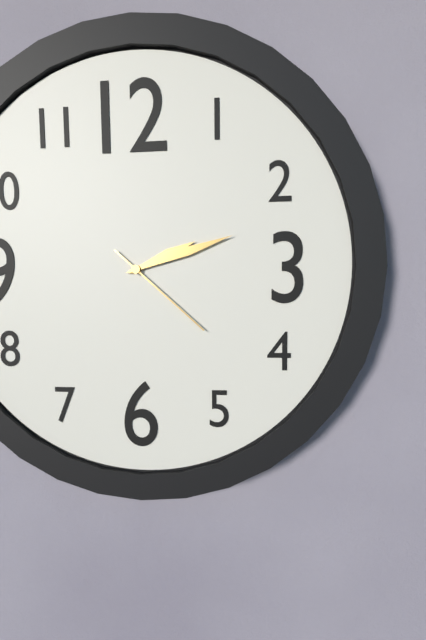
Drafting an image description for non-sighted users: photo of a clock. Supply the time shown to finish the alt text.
2:12:22
